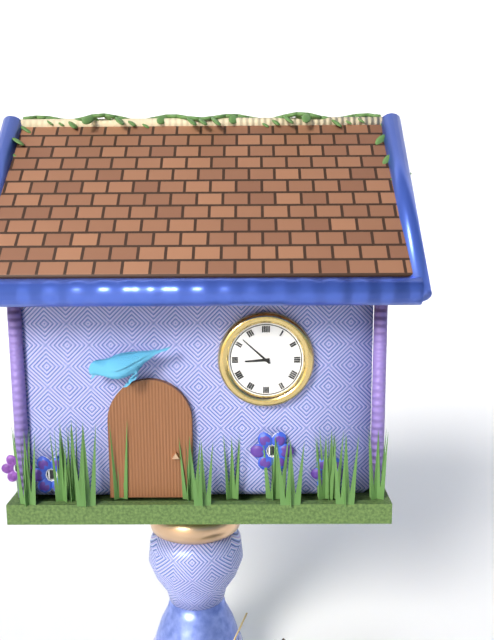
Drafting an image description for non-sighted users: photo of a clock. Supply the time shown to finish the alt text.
8:52
